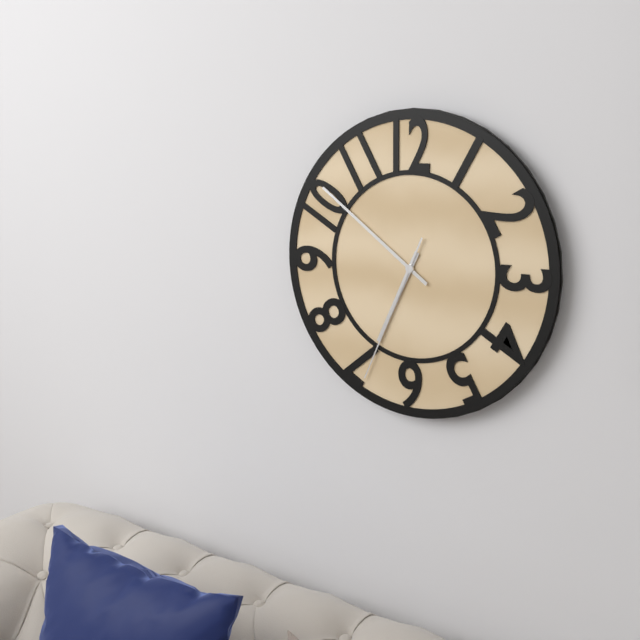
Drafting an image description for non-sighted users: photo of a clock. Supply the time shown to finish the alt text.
6:51:34
